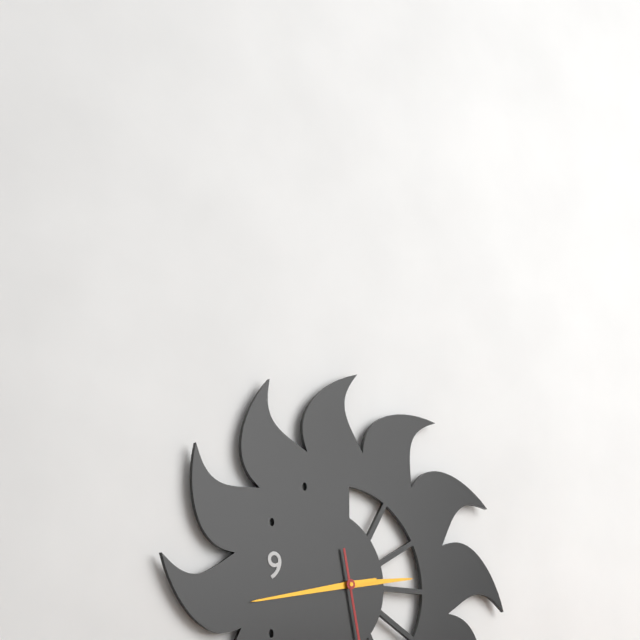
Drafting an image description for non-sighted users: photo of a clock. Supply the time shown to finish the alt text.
2:43
